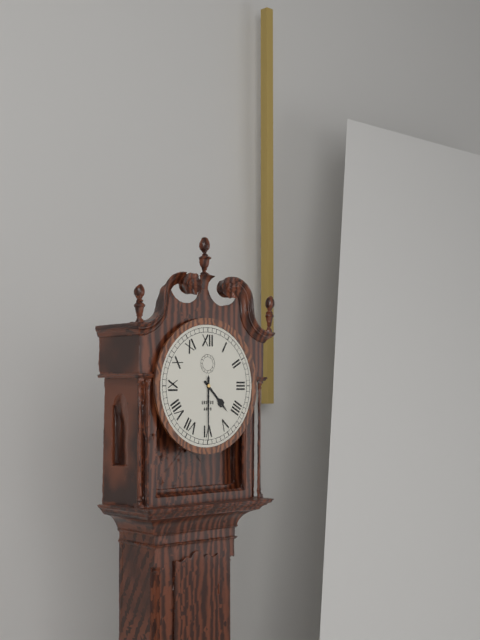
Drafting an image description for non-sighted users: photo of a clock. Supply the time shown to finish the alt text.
4:30
